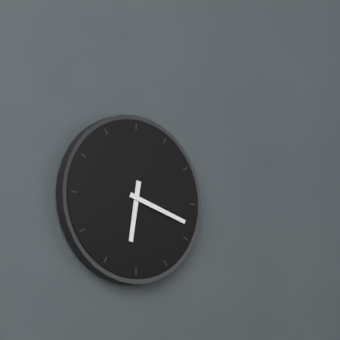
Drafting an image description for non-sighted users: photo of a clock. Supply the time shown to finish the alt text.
6:18
